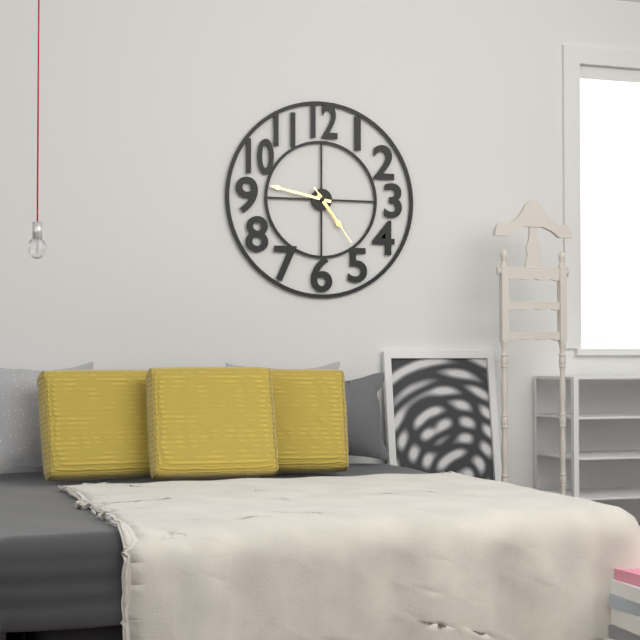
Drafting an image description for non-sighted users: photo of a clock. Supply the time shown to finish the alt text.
4:47:24
